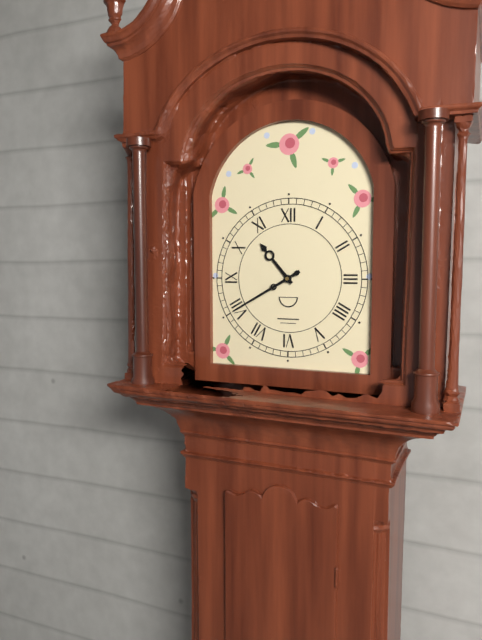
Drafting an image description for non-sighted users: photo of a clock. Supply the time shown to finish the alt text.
10:40
